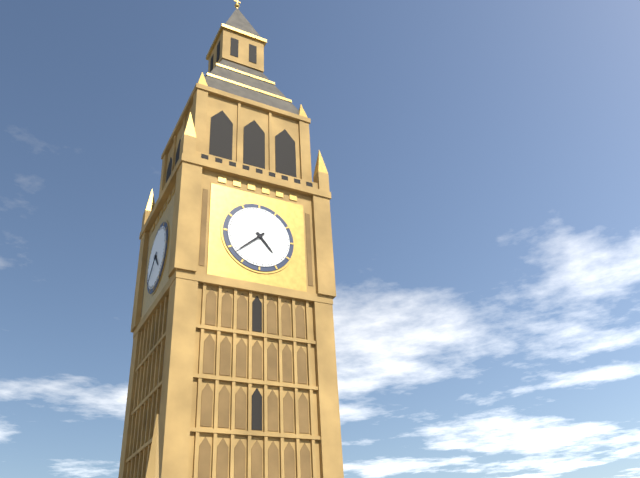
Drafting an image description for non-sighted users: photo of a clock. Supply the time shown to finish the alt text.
4:38
